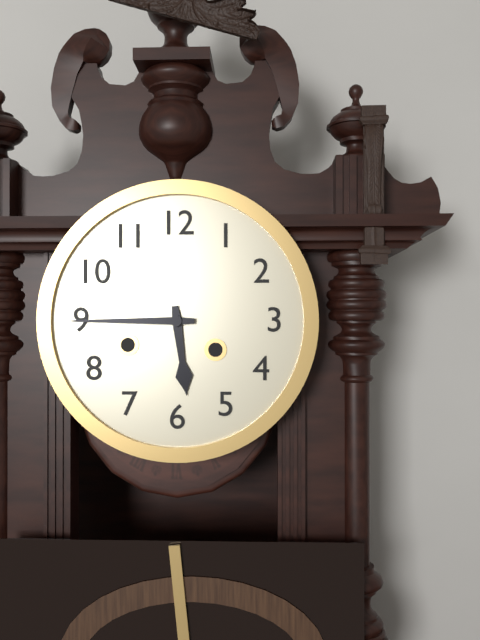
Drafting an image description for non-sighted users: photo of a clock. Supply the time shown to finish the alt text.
5:45
